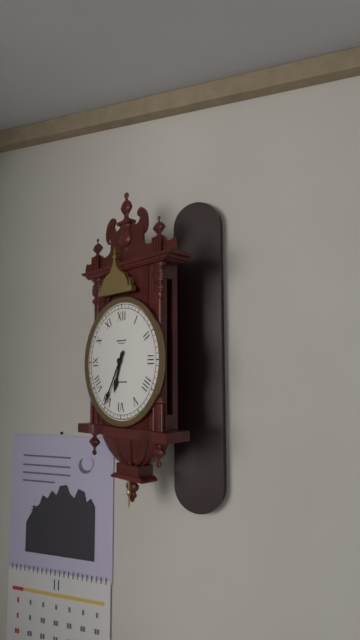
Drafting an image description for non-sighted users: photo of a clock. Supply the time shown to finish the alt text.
6:35
